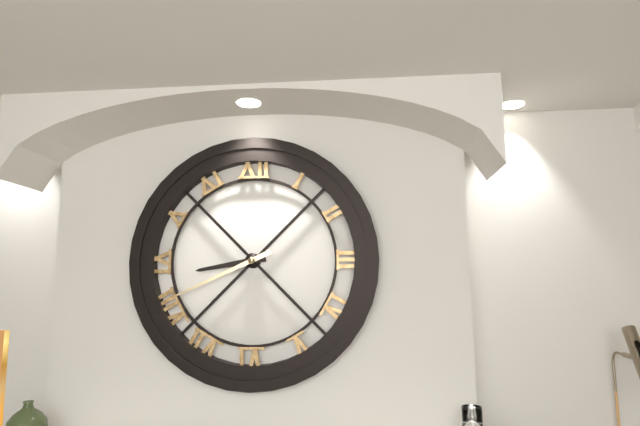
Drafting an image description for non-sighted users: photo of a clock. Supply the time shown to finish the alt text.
8:41
